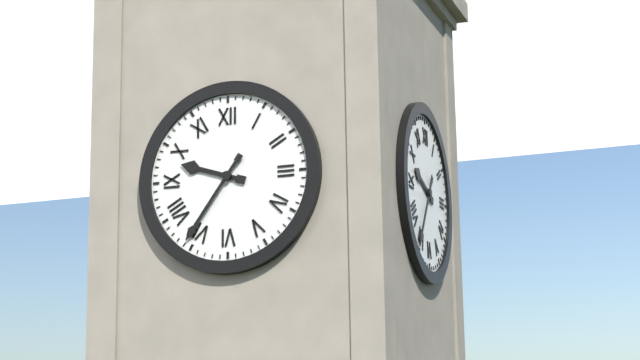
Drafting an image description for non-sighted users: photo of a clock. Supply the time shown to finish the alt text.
9:36
